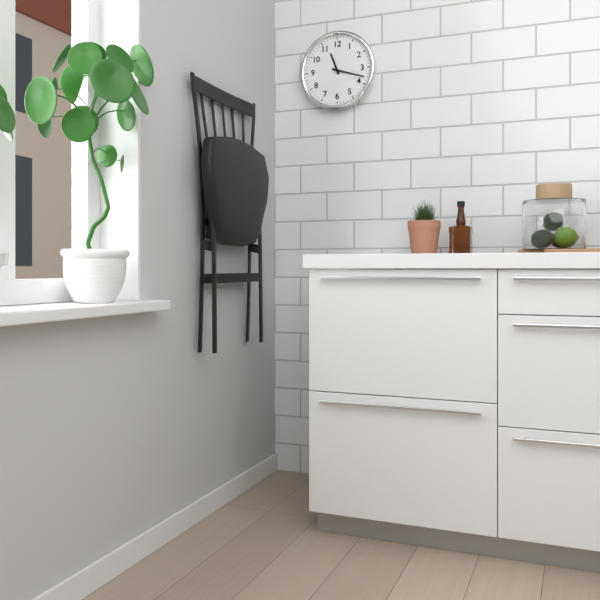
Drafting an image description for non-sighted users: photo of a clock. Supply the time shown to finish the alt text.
11:18
